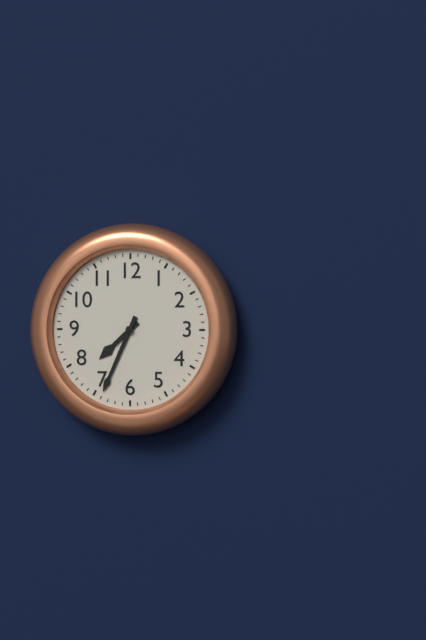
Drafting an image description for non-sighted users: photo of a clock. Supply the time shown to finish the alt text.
7:34
